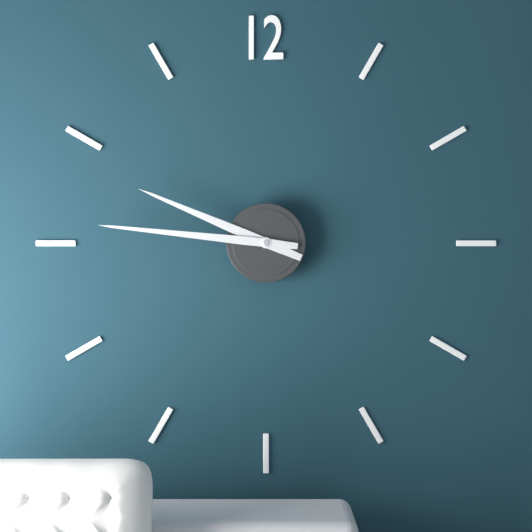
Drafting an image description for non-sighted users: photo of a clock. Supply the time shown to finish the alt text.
9:46
